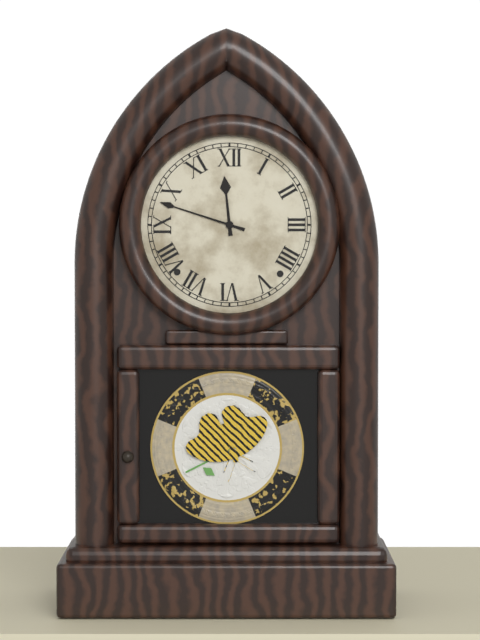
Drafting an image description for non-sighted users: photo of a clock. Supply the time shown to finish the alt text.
11:48
